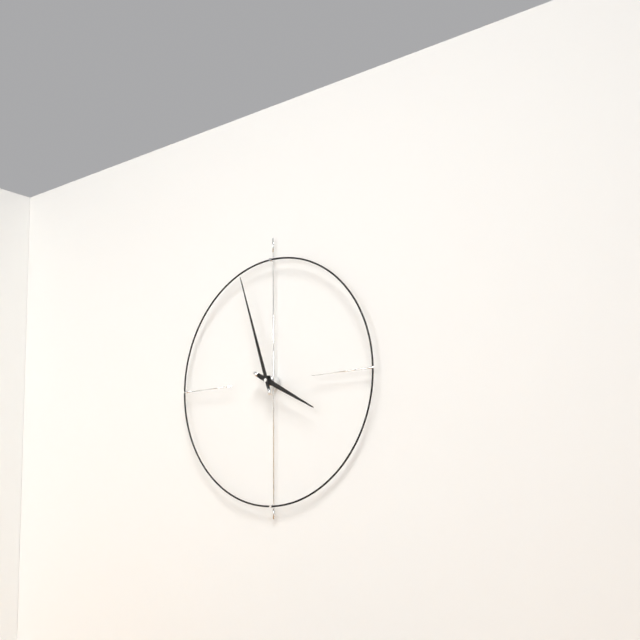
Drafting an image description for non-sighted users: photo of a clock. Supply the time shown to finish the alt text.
3:57
